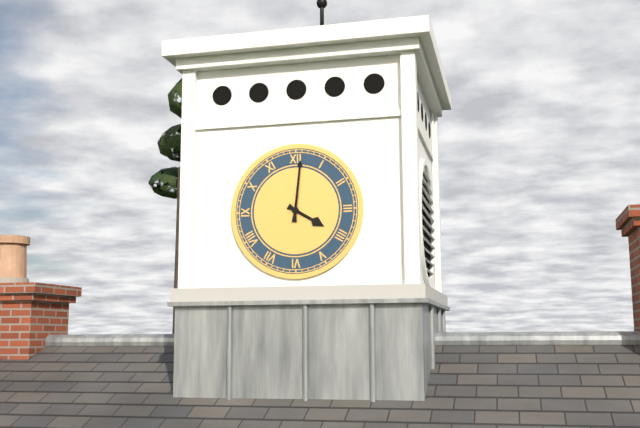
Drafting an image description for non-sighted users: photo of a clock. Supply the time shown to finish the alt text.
4:01
